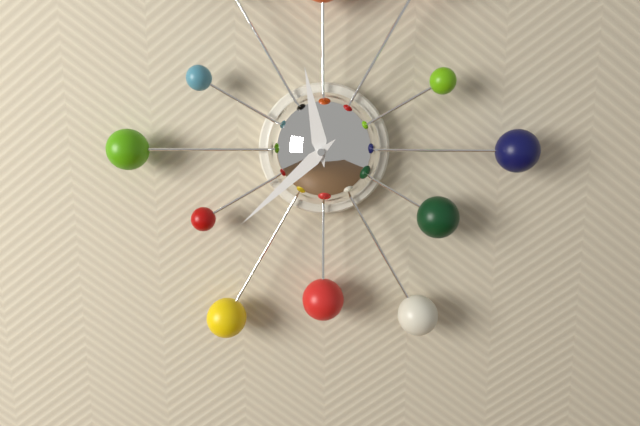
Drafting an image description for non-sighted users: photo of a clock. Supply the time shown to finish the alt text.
11:38
